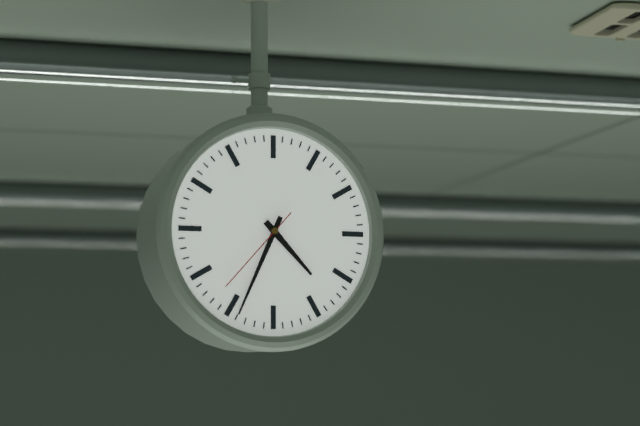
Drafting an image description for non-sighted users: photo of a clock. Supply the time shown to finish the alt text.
4:34:37
